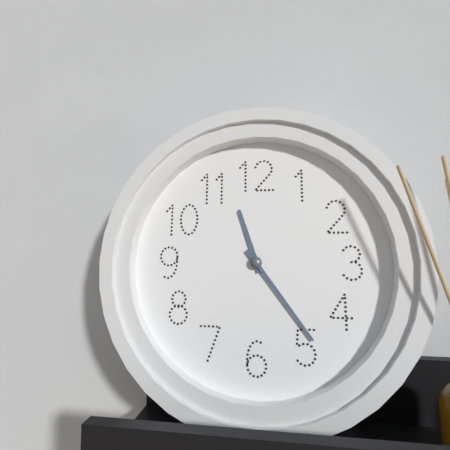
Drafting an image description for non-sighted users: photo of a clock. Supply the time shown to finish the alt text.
11:24
